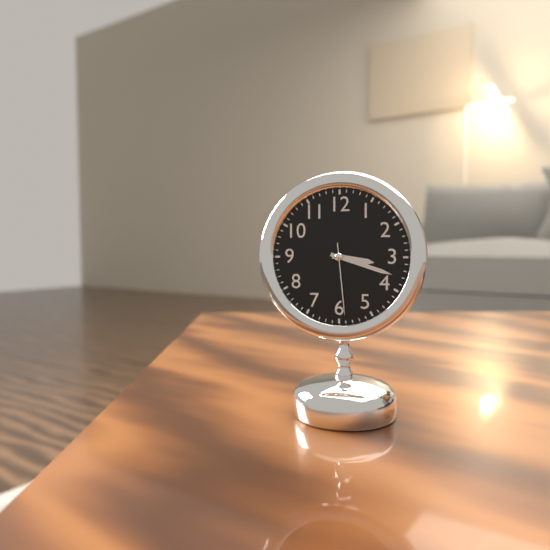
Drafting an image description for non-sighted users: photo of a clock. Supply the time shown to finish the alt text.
3:18:29
